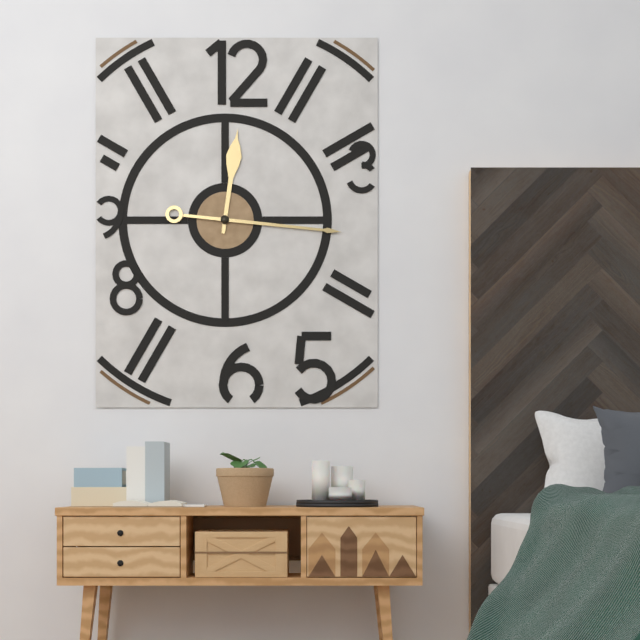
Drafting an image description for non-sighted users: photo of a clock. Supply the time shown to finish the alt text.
12:16
